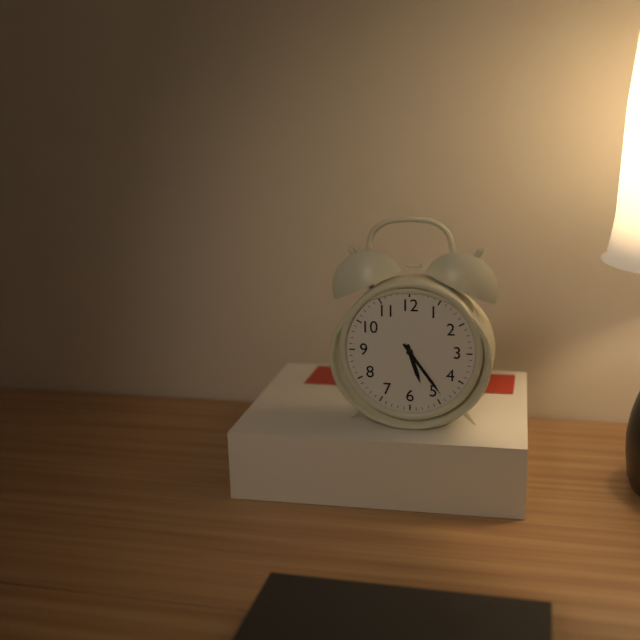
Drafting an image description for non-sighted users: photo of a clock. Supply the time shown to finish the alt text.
5:24
